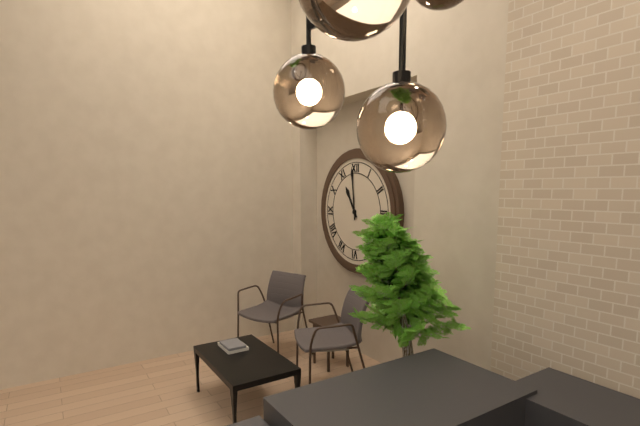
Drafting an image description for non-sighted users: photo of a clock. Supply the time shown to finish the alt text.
10:59
